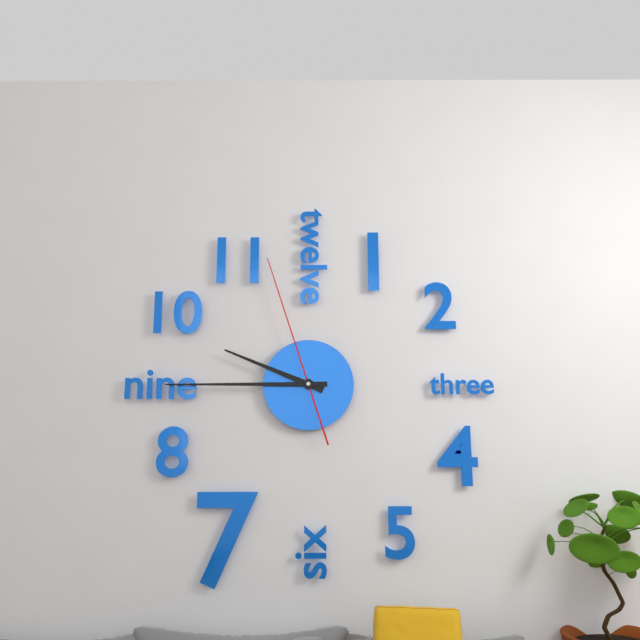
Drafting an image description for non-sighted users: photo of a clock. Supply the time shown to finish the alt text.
9:45:57
